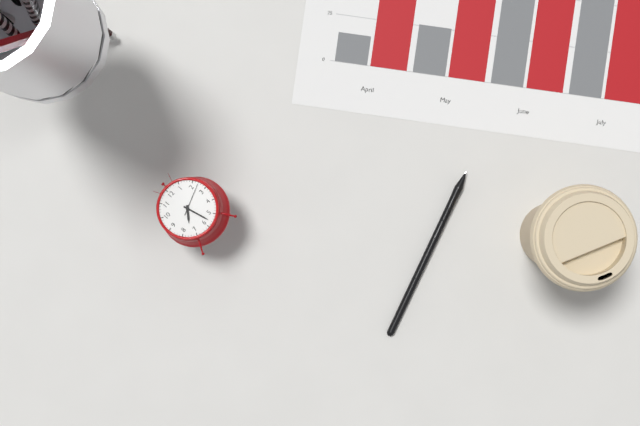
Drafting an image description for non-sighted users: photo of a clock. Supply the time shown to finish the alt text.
7:28
